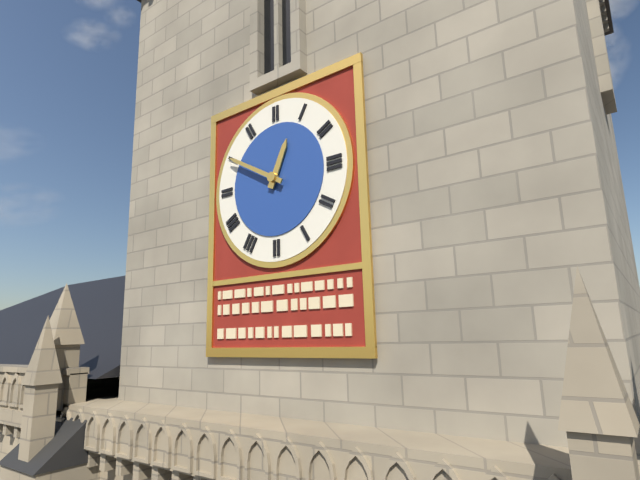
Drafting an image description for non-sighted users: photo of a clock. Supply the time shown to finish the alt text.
12:50
